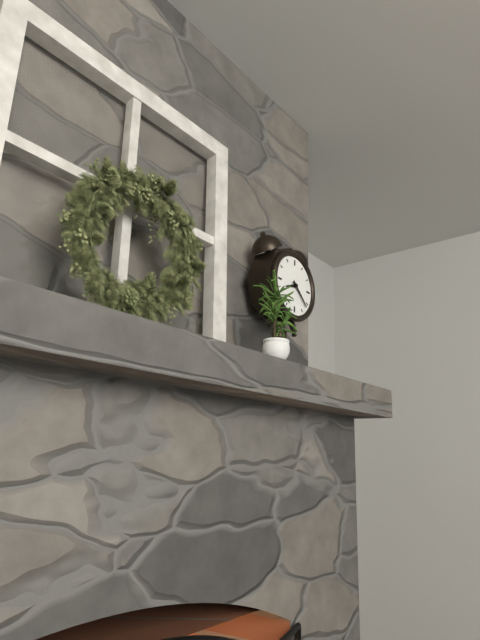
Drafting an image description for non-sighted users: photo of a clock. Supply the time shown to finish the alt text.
8:22
